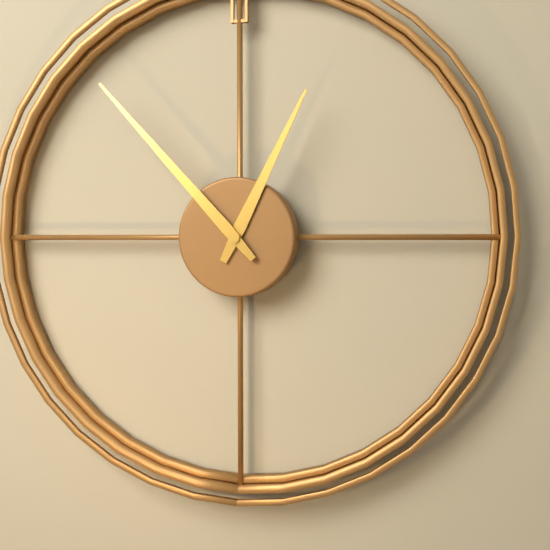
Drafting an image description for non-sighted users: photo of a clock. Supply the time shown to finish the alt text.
12:53
